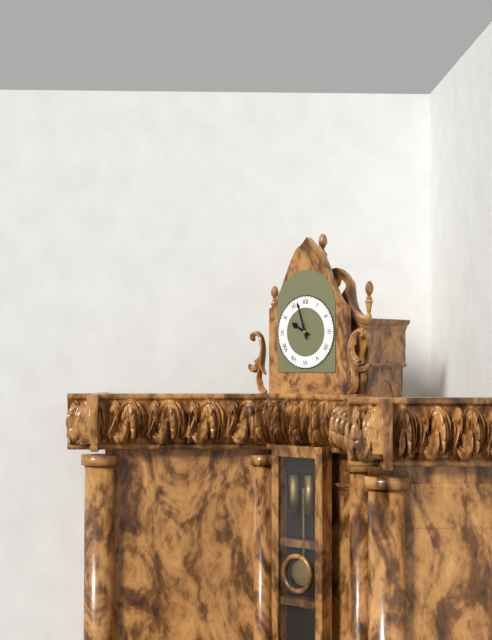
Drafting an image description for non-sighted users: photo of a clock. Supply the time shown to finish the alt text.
9:57
